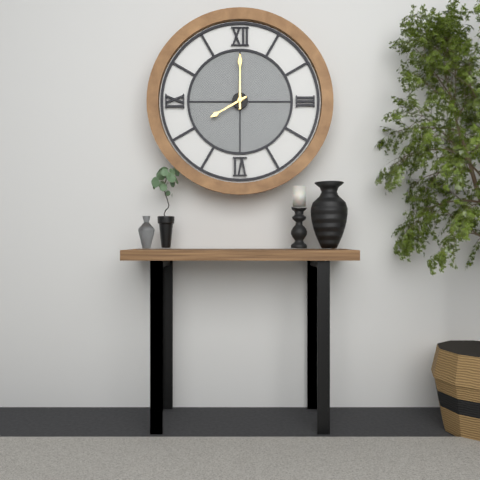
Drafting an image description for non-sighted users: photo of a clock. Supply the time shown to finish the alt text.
8:00
